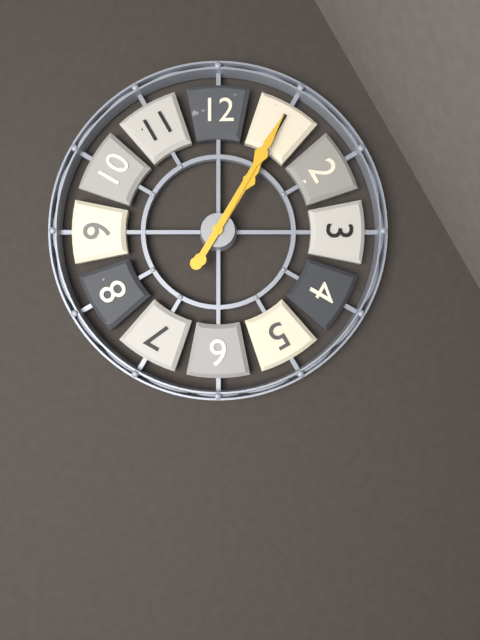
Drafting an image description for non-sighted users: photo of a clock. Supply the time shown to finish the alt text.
1:05
